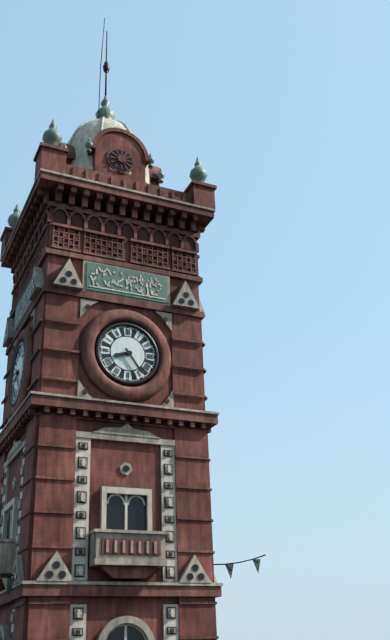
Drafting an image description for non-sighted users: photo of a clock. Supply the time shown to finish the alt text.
8:24
